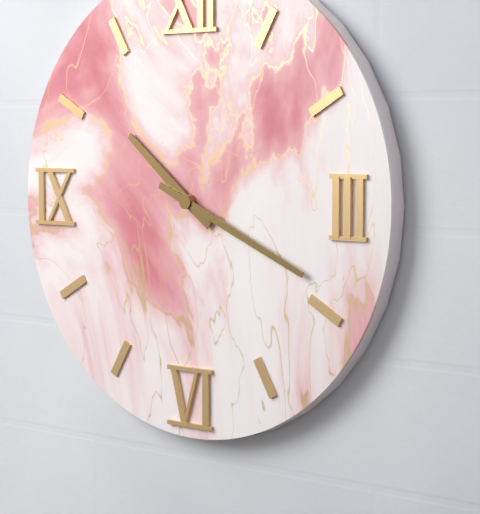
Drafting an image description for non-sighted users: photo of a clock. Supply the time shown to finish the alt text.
10:19
